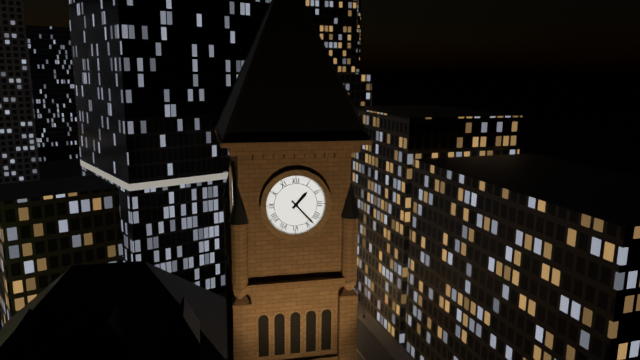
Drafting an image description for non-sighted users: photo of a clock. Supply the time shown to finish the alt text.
1:23
